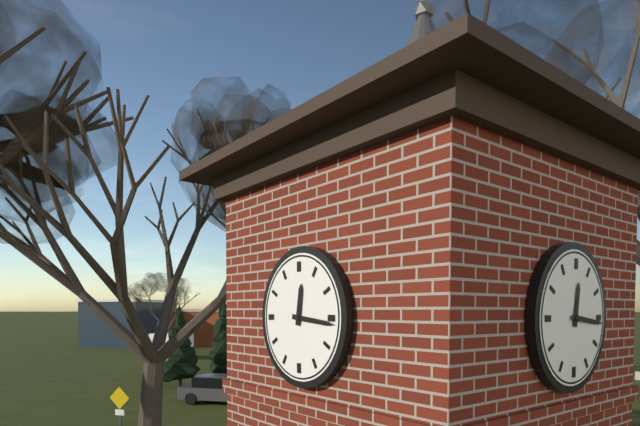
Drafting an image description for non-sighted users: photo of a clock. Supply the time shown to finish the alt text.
12:16
